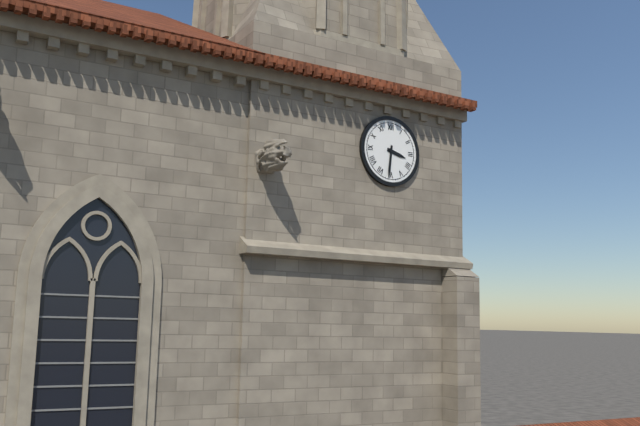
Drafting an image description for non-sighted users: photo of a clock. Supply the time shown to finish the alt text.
3:31
